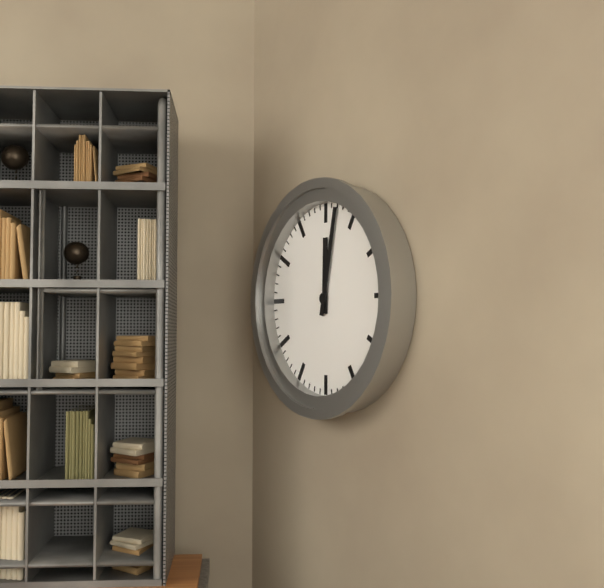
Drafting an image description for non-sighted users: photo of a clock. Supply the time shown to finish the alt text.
12:02
